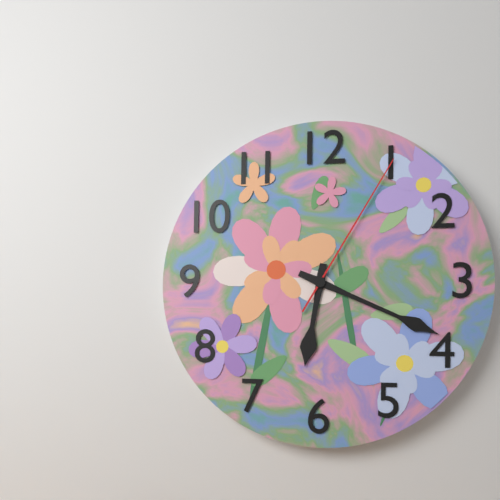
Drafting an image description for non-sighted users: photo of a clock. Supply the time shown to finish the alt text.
6:19:05
